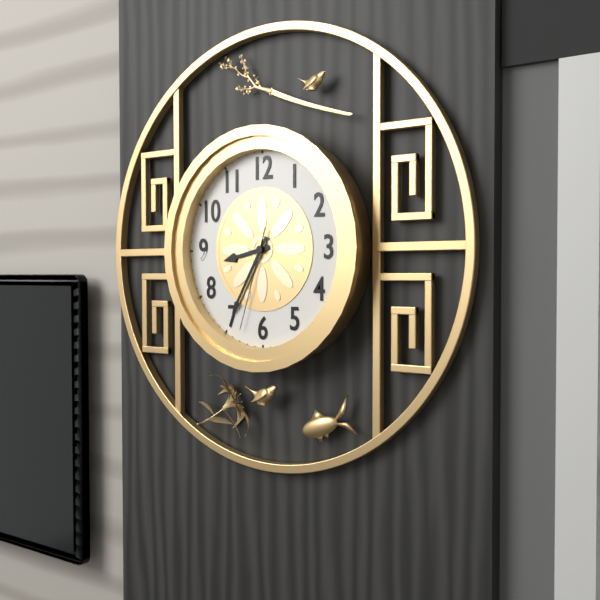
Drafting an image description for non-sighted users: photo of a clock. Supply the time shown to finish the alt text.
8:35:33
